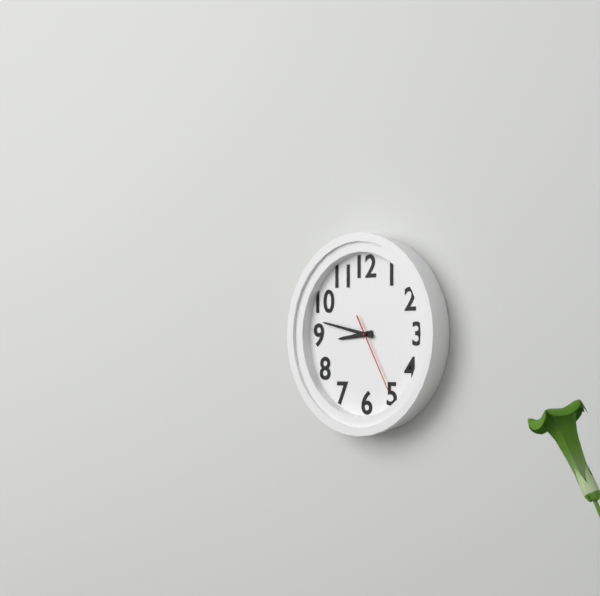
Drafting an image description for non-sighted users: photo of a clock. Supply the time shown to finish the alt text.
8:47:25
